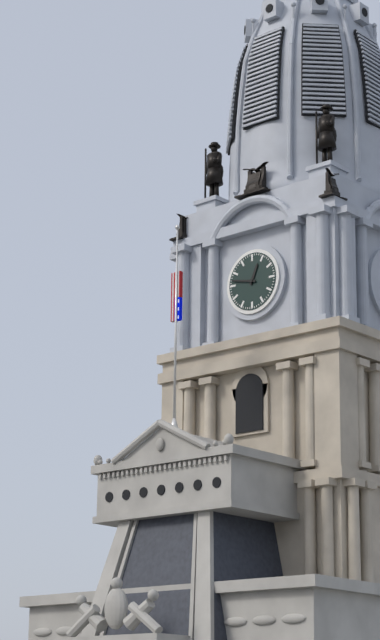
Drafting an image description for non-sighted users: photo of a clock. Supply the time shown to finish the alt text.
12:47
